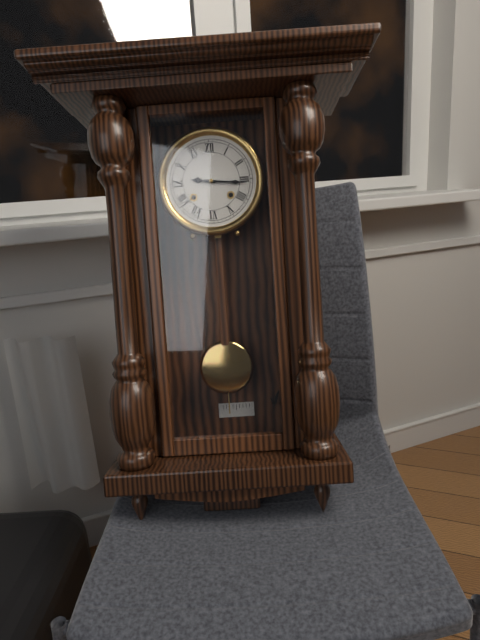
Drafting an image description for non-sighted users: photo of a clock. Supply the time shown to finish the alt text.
9:16
